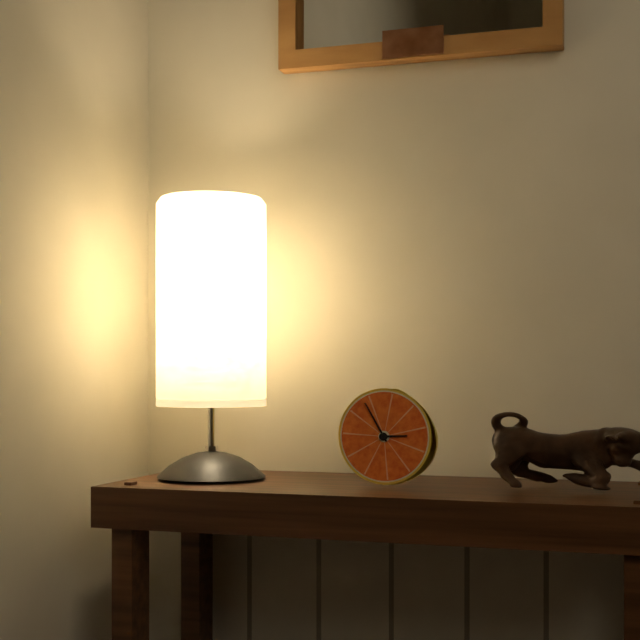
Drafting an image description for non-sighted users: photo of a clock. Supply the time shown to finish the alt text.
2:55
